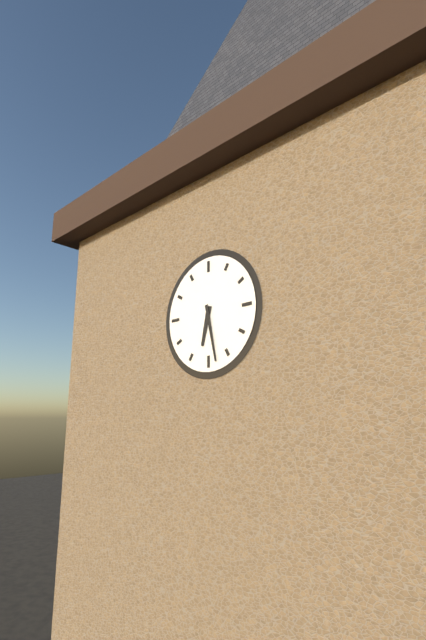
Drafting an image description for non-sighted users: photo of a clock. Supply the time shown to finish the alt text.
6:28
